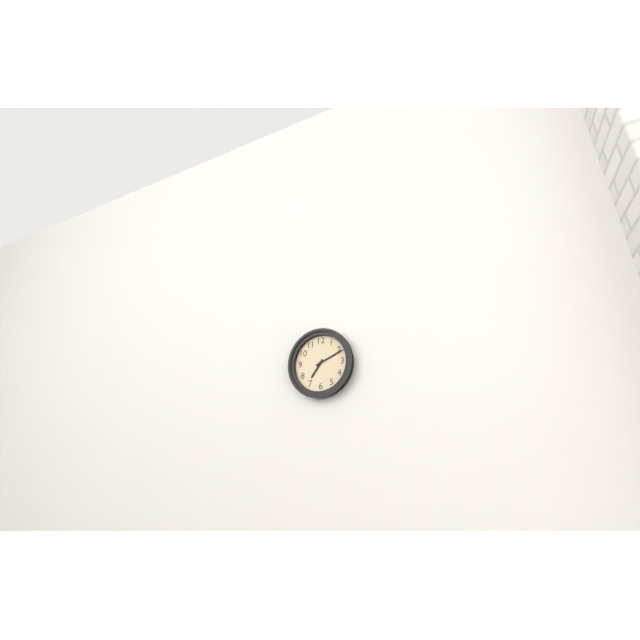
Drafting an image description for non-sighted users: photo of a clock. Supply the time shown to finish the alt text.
7:11
